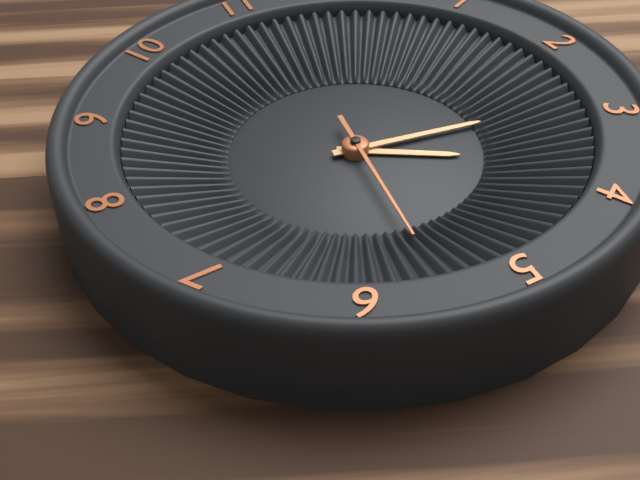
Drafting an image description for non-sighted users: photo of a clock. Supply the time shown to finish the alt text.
3:12:27
